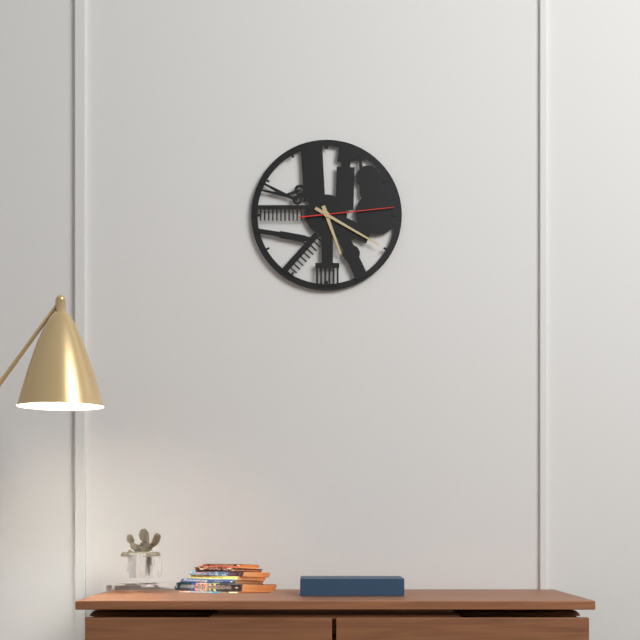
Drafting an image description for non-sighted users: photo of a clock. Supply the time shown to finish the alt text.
5:20:14
